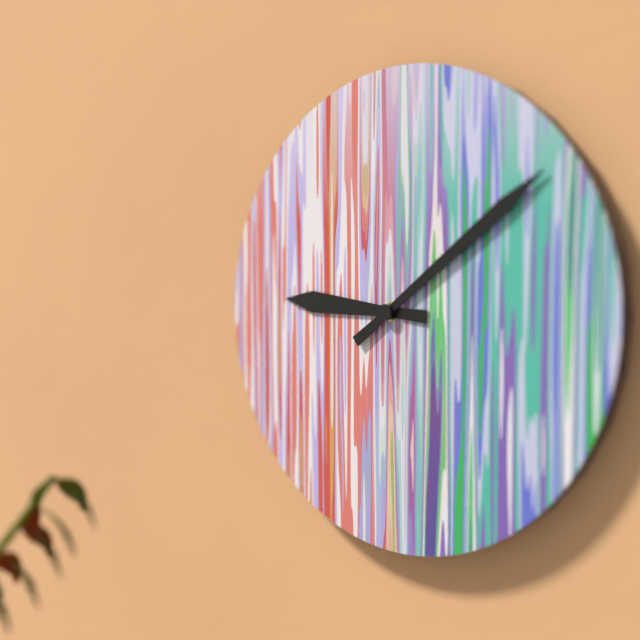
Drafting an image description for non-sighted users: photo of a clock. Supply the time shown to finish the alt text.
9:09
